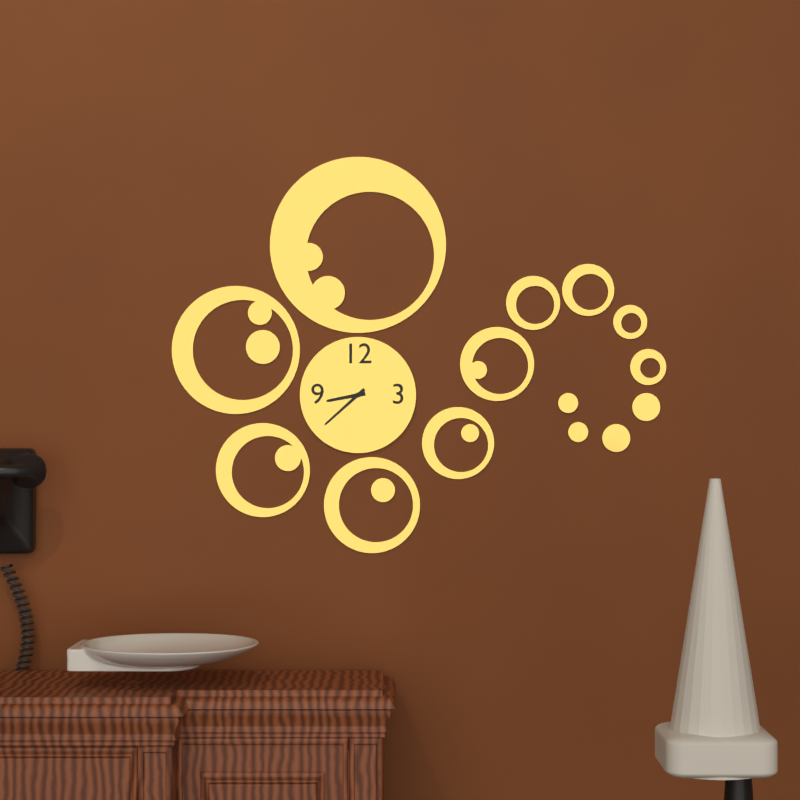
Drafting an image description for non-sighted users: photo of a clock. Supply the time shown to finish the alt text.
8:38
